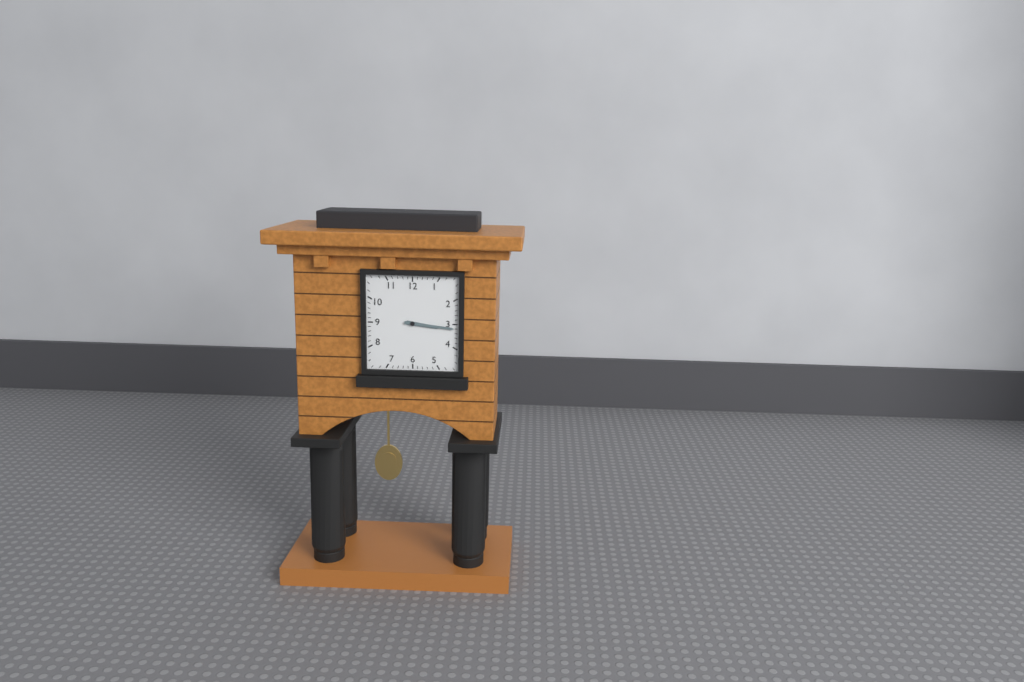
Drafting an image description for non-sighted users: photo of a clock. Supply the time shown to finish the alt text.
3:16
